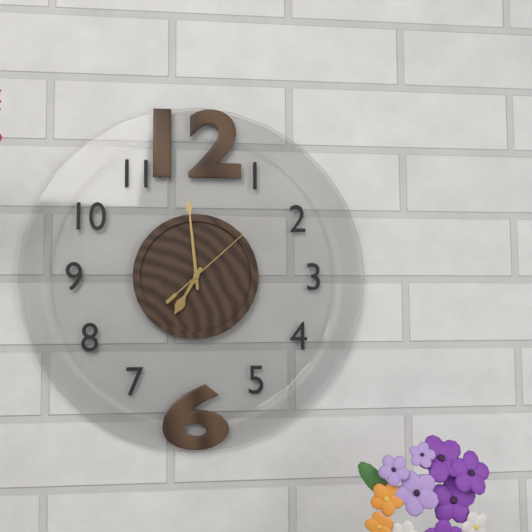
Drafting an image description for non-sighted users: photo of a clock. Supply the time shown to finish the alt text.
6:59:08
